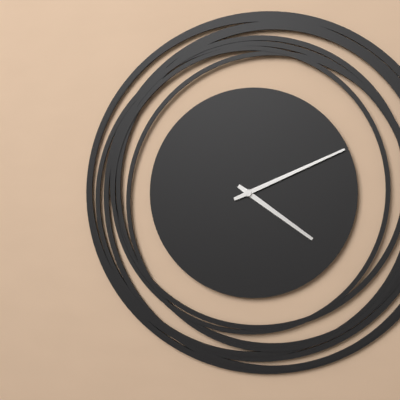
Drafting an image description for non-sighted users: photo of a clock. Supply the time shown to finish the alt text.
4:11
